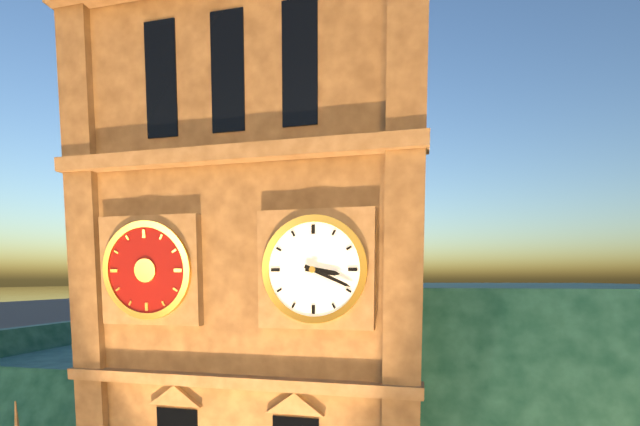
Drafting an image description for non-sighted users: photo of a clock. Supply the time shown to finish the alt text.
3:19
